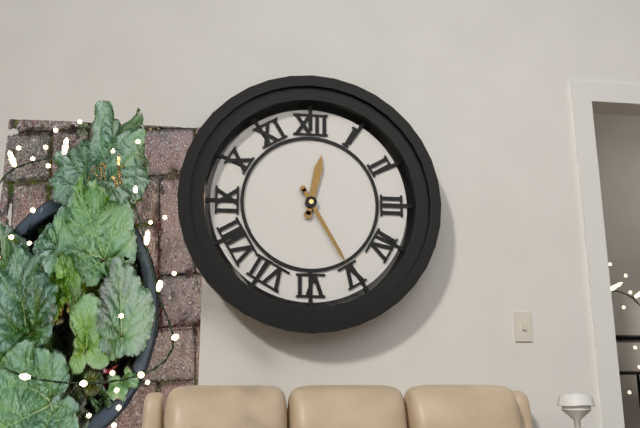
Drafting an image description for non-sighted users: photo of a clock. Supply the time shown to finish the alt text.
12:25
